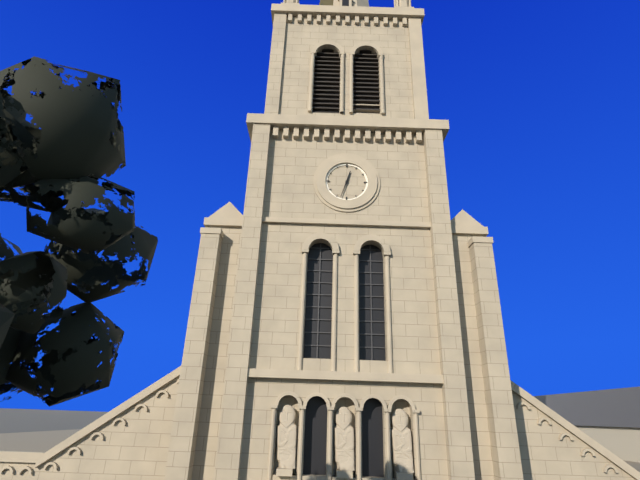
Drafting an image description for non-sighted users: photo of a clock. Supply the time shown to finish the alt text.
12:33
